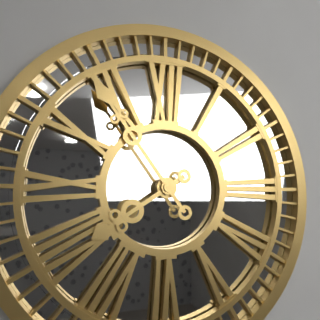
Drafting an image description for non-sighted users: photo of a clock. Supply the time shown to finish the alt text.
7:54
